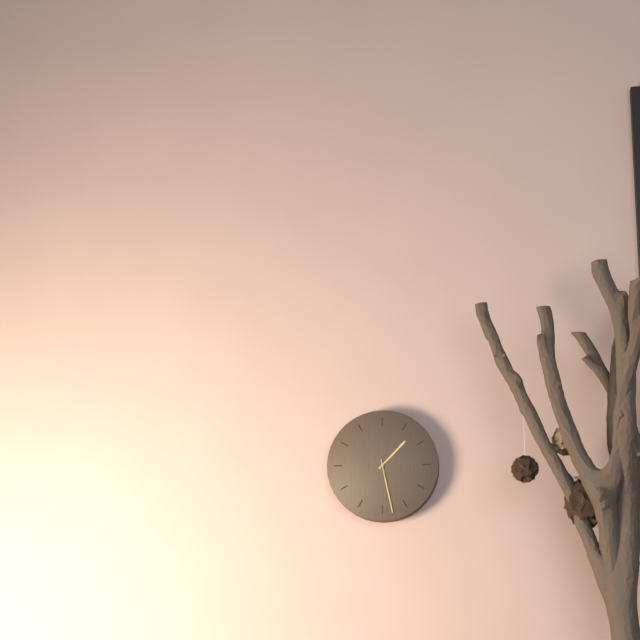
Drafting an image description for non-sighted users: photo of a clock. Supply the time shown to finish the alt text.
1:28
